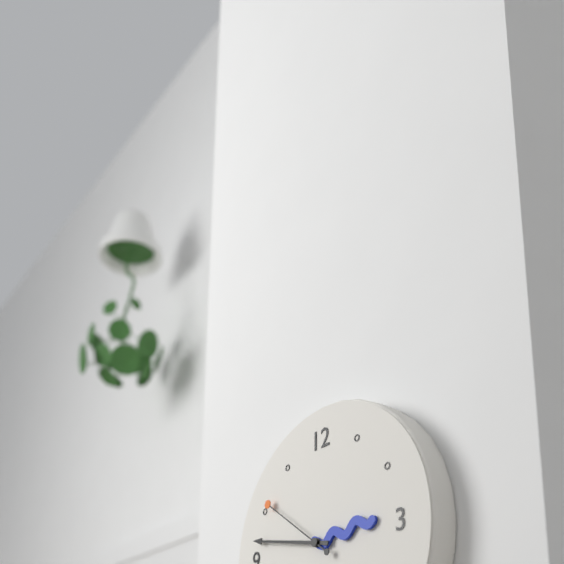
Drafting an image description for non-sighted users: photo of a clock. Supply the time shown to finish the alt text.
2:47:51
